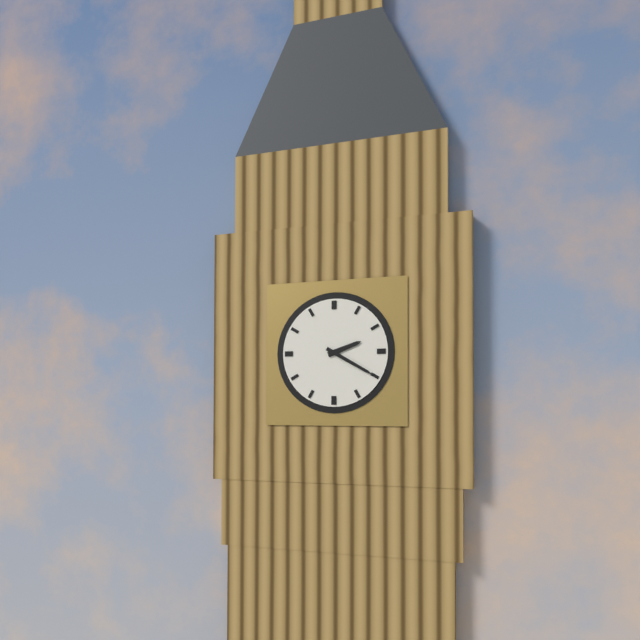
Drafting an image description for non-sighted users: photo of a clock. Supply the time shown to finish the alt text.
2:20
